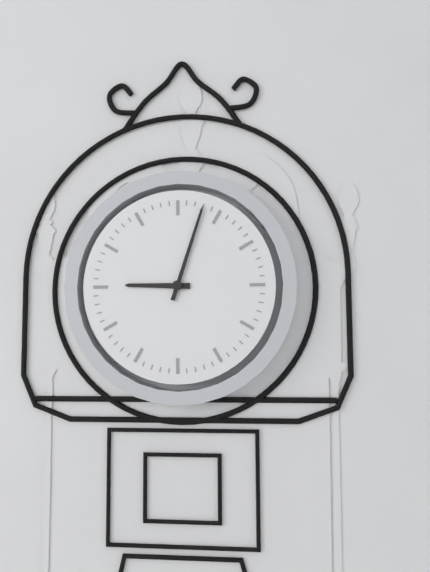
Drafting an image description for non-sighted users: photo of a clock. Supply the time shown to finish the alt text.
9:03
